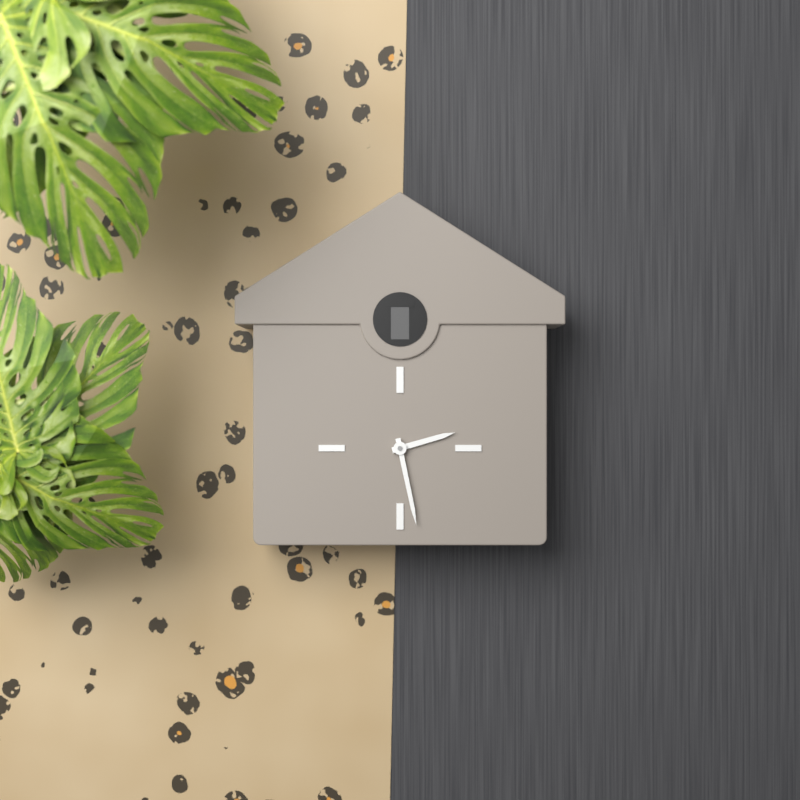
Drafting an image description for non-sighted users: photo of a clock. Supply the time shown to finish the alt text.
2:28
